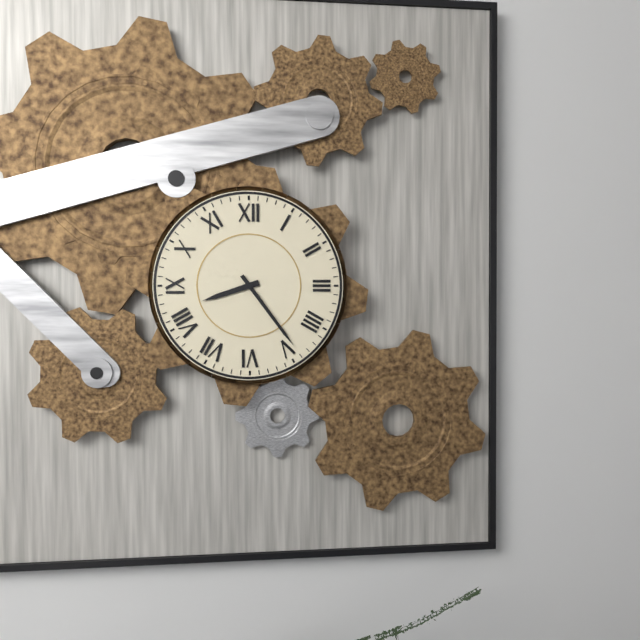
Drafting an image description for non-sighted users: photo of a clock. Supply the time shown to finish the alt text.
8:24
